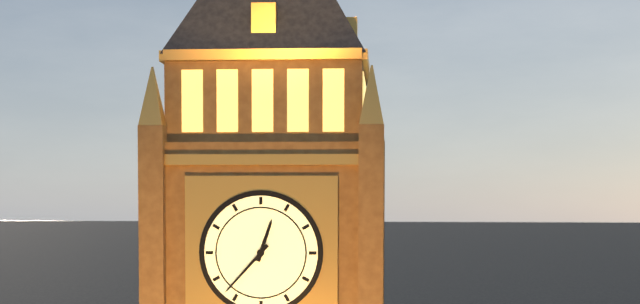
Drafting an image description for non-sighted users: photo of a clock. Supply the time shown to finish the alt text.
12:37
